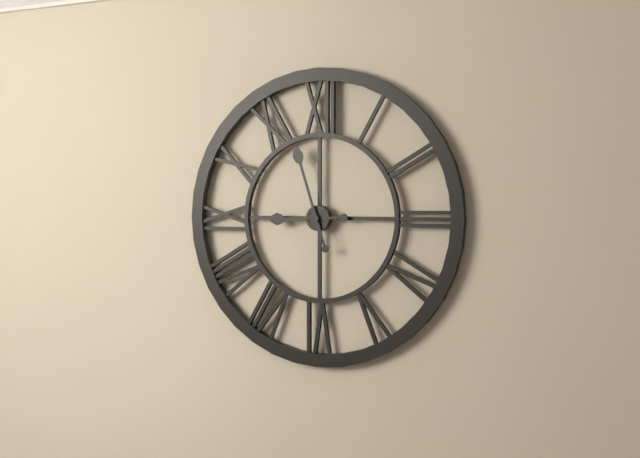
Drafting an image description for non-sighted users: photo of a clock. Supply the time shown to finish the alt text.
8:57
